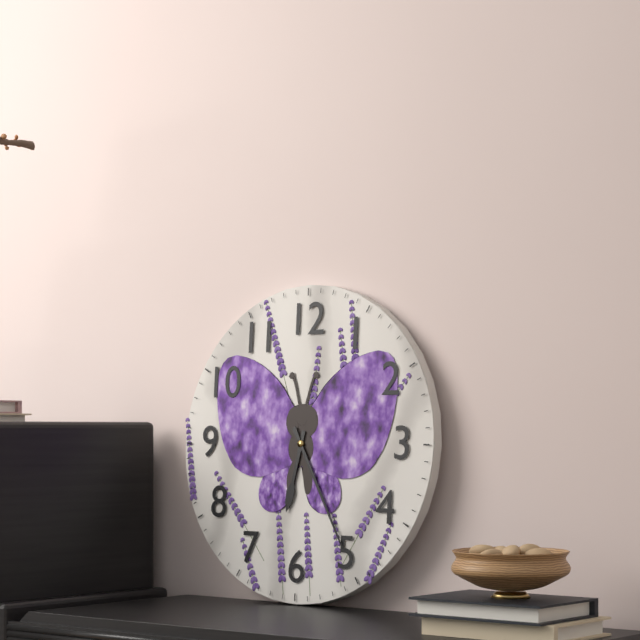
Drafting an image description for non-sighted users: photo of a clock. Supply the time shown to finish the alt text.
6:25
